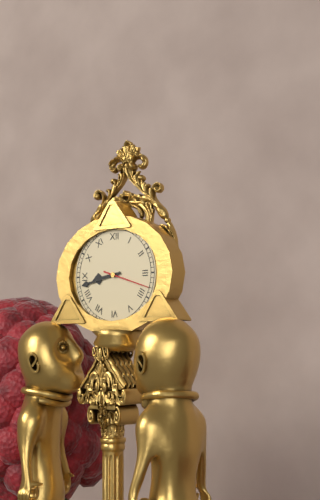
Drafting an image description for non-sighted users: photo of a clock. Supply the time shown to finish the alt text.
8:43
